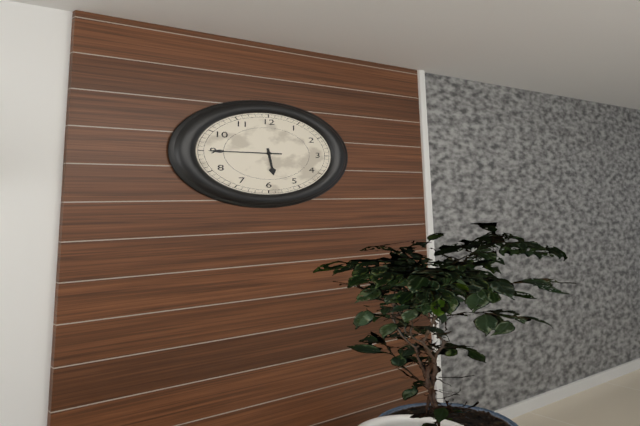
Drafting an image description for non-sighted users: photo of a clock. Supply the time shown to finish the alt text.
5:45
